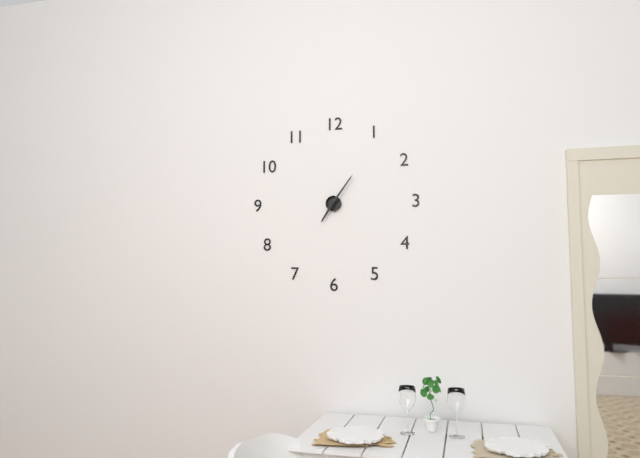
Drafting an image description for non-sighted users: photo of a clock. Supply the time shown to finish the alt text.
7:06
